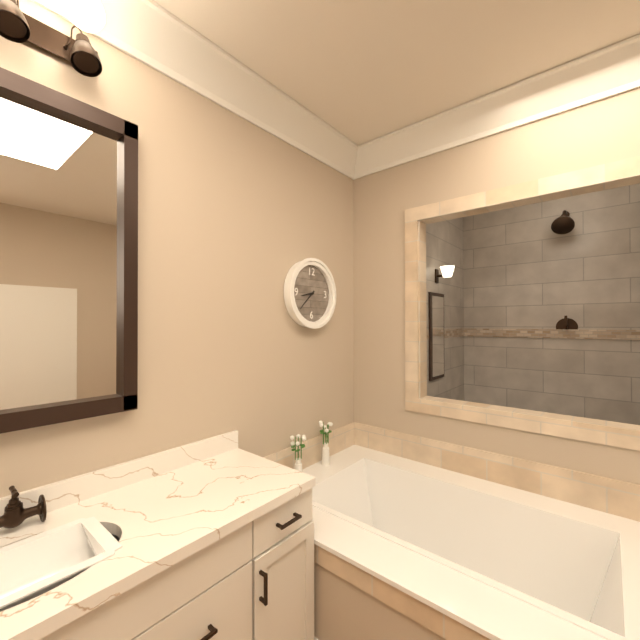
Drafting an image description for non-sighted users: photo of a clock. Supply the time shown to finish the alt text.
8:38
